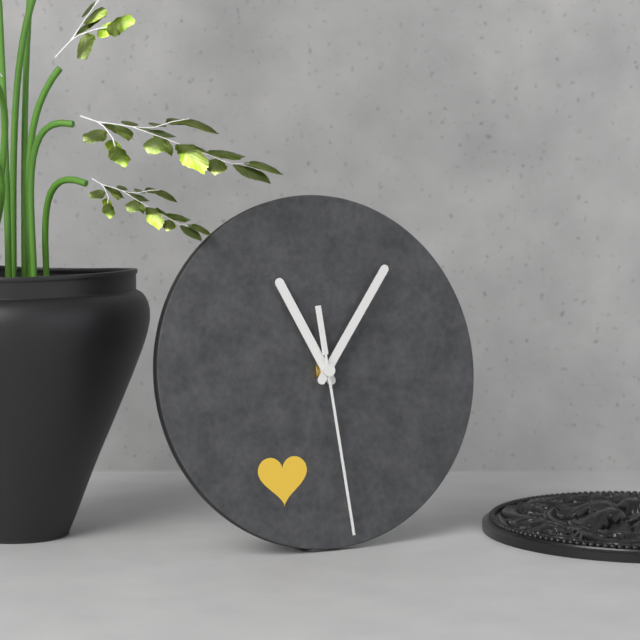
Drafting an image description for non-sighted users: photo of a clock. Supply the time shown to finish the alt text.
11:06:29
